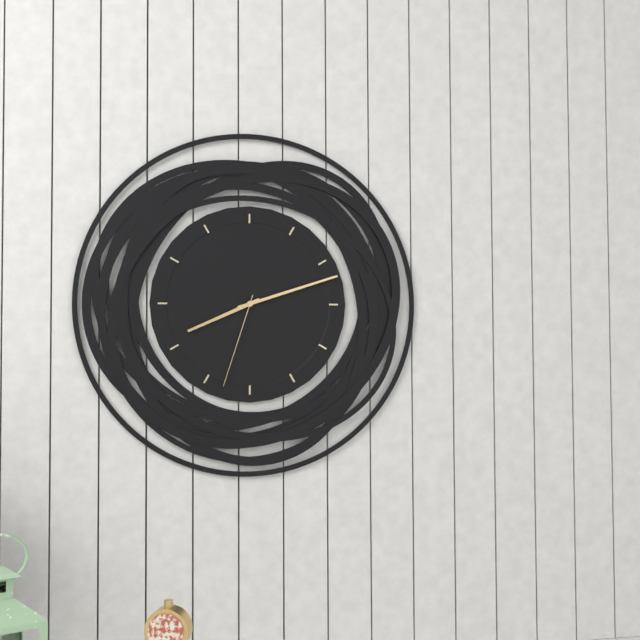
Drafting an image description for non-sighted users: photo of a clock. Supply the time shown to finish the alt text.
8:12:33
